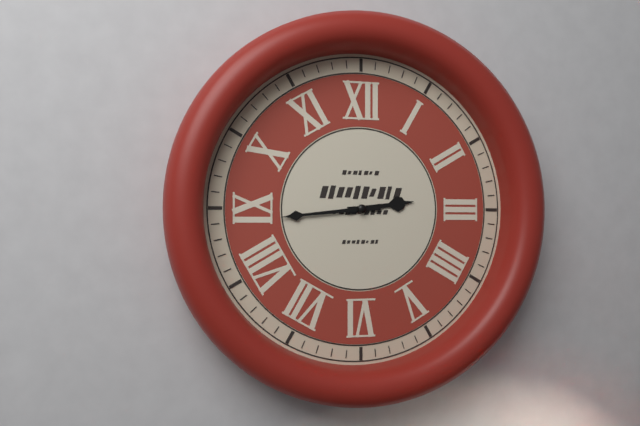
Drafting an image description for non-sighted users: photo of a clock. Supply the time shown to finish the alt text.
2:44
